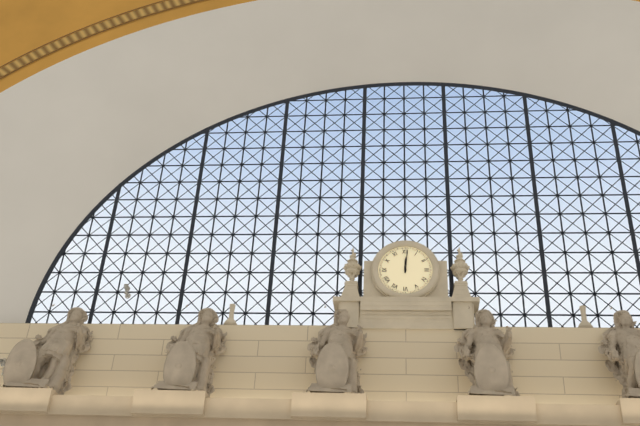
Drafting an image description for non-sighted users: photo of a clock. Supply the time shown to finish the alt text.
12:01
